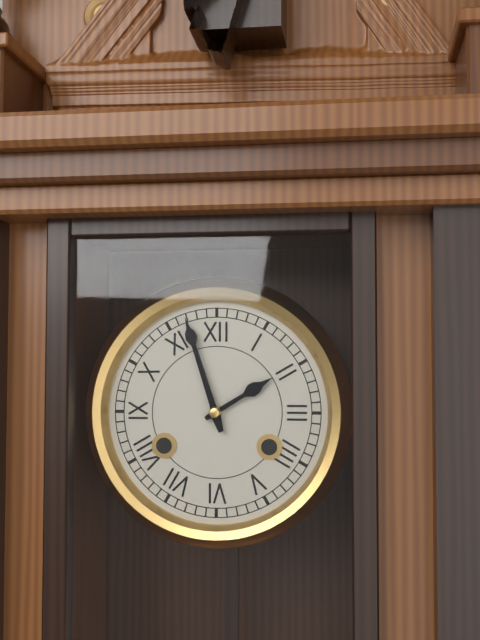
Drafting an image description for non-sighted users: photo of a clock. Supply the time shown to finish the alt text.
1:57
